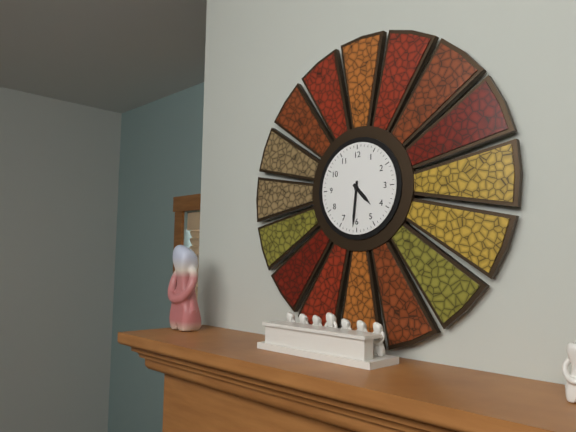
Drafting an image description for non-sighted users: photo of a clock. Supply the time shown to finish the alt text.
4:31
